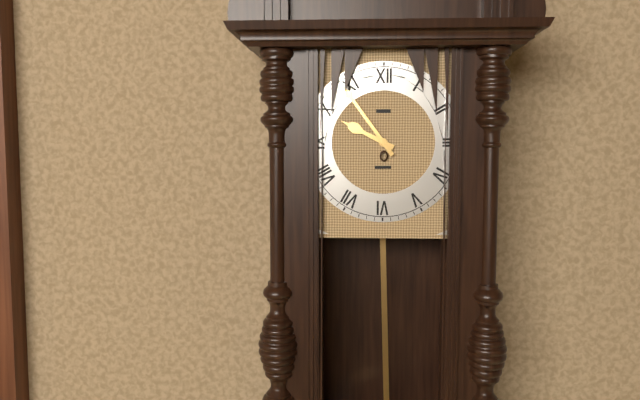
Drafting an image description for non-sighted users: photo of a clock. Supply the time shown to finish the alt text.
9:54
